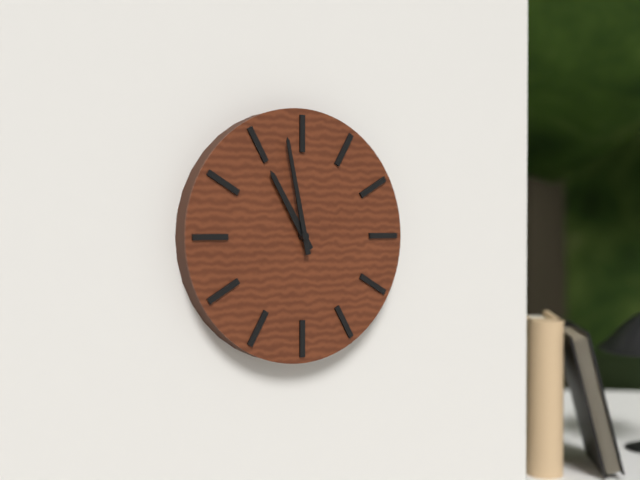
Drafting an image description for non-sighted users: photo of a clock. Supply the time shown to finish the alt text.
10:58
